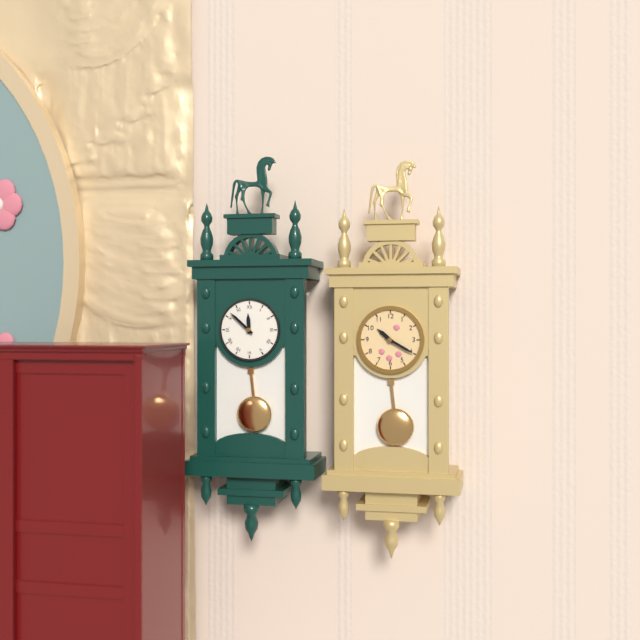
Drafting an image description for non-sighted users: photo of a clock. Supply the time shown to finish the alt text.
11:52
